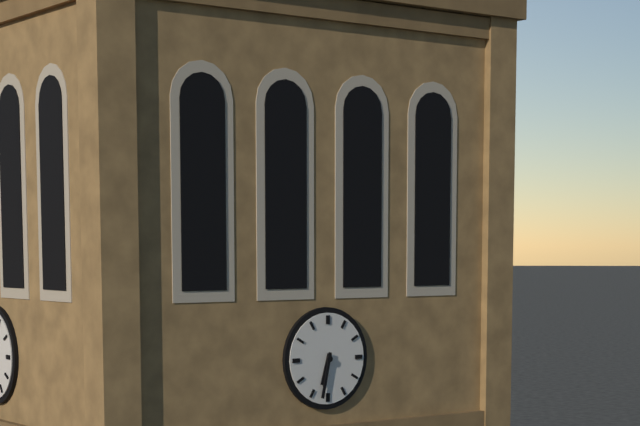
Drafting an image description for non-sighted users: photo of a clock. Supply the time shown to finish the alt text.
6:32
